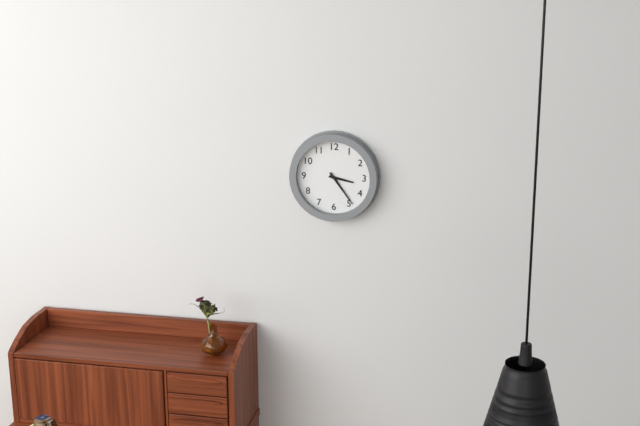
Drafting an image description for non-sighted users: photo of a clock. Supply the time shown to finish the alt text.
3:24
